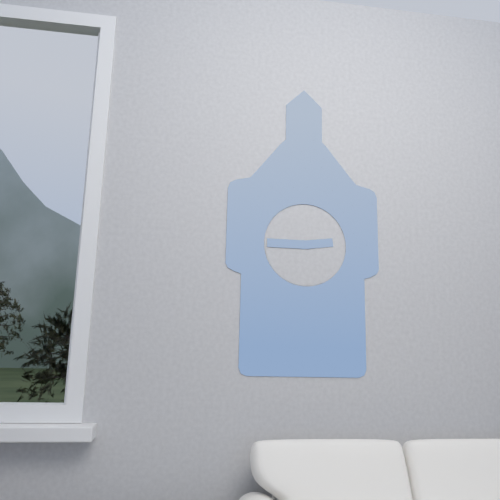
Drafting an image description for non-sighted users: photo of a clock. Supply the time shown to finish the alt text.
2:45
